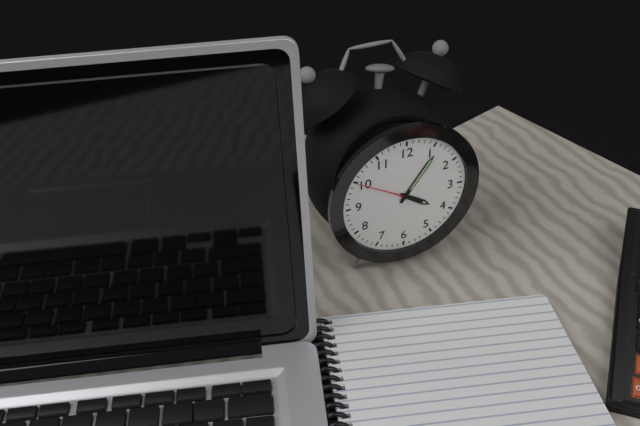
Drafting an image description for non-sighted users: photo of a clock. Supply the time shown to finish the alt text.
4:06
